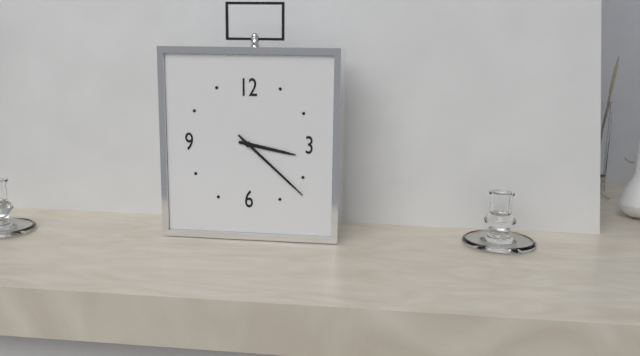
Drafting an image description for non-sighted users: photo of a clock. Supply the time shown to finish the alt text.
3:22
